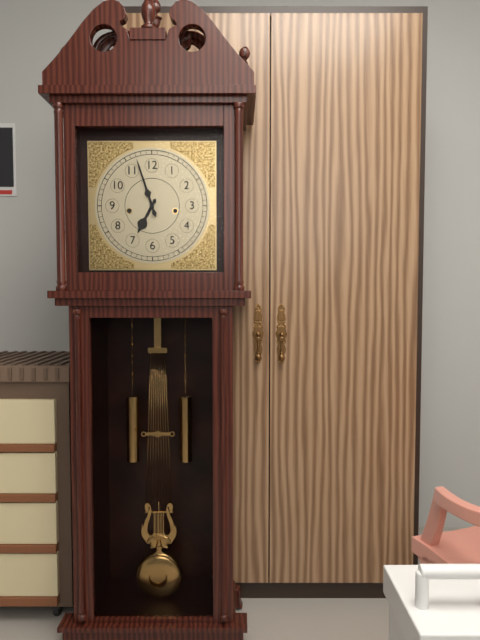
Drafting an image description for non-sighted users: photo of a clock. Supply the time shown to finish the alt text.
6:57
